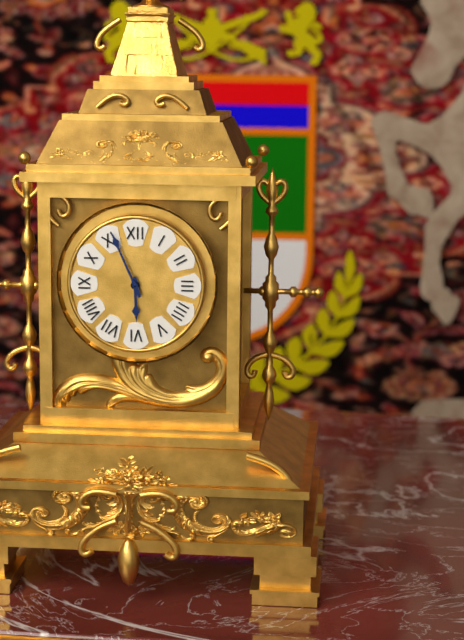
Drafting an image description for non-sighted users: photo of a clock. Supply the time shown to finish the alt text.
5:56
